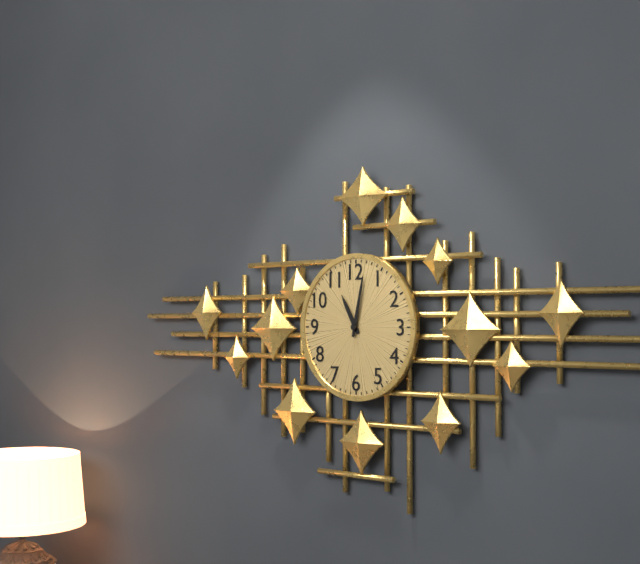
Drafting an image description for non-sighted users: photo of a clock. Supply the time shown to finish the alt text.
11:02
